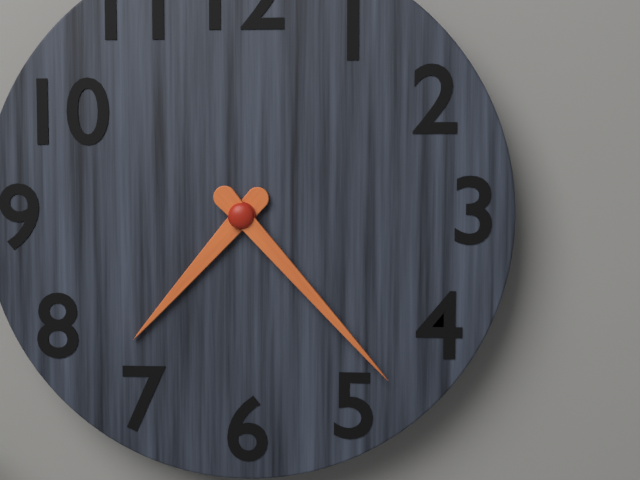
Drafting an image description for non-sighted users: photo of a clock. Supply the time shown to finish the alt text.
7:23
